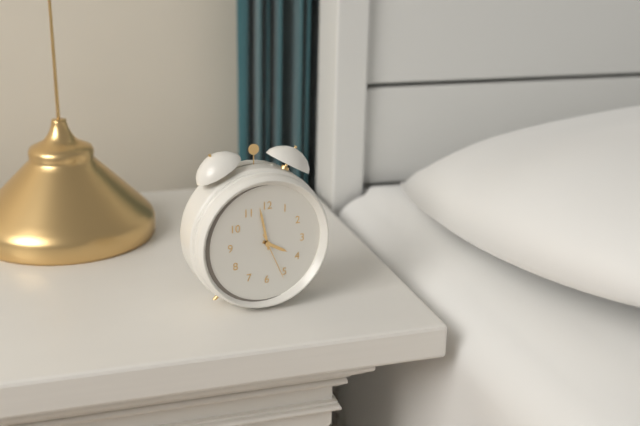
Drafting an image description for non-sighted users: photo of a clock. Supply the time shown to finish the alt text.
3:58
